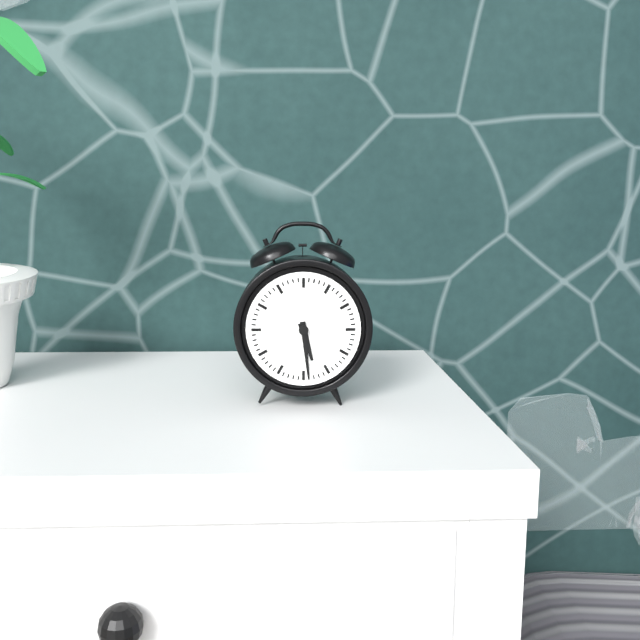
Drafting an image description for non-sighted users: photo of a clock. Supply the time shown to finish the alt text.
5:29
